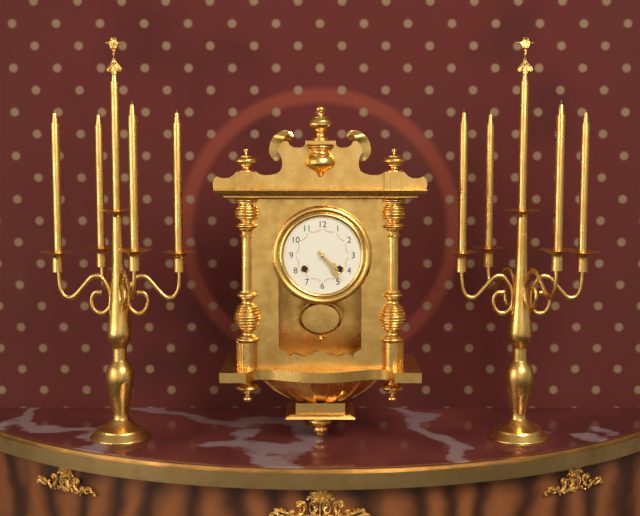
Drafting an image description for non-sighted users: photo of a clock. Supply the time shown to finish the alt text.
4:24
